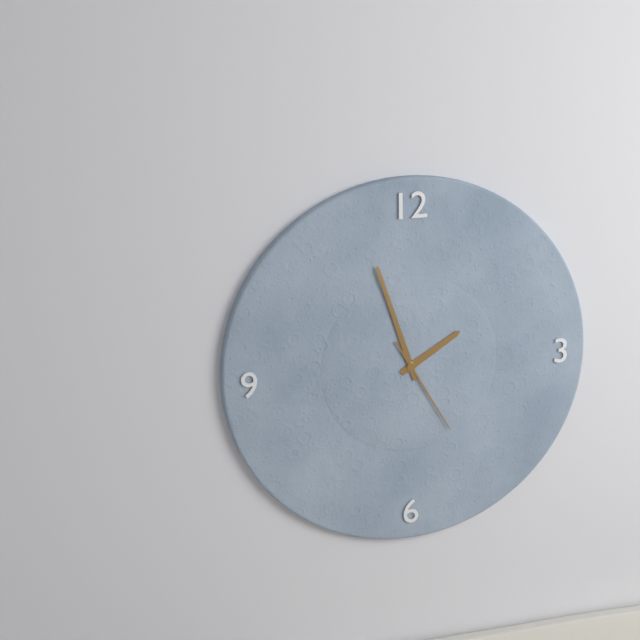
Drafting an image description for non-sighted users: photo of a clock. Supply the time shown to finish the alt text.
1:57:25
